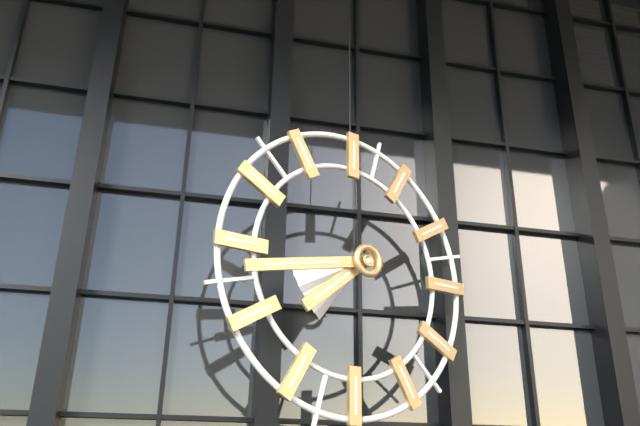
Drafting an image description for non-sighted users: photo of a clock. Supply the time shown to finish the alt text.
7:43
